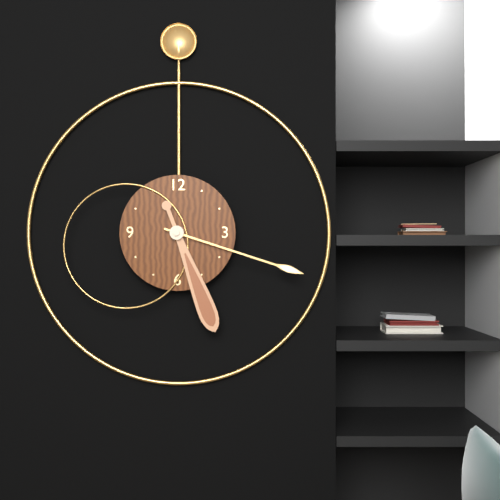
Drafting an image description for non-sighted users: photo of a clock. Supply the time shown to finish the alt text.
5:18
